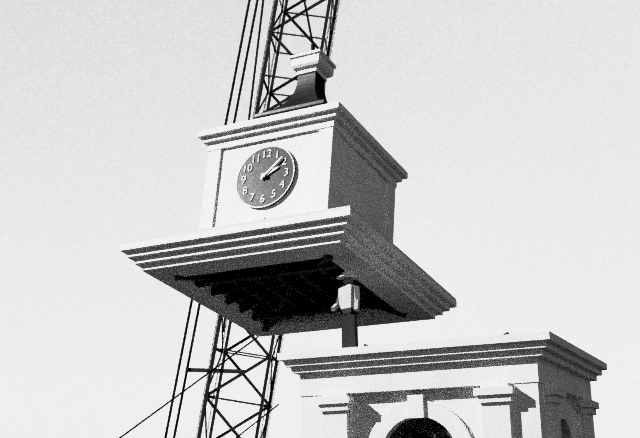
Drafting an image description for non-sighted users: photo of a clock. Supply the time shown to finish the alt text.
2:08
